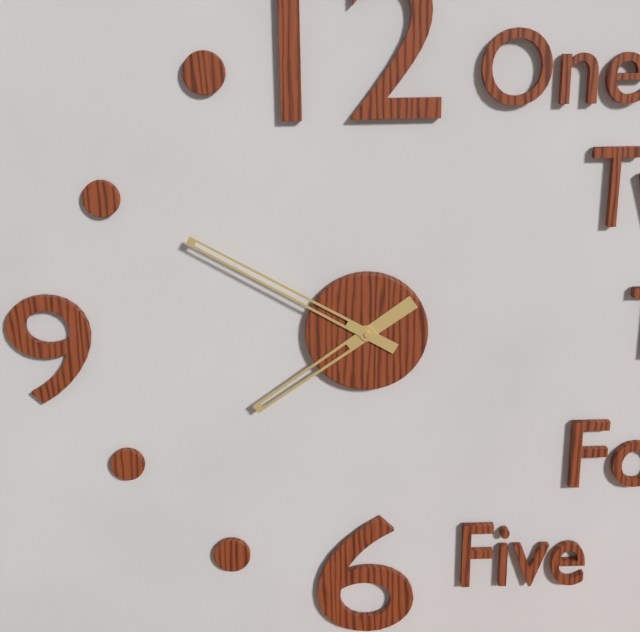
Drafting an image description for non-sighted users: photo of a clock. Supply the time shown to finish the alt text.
7:50
